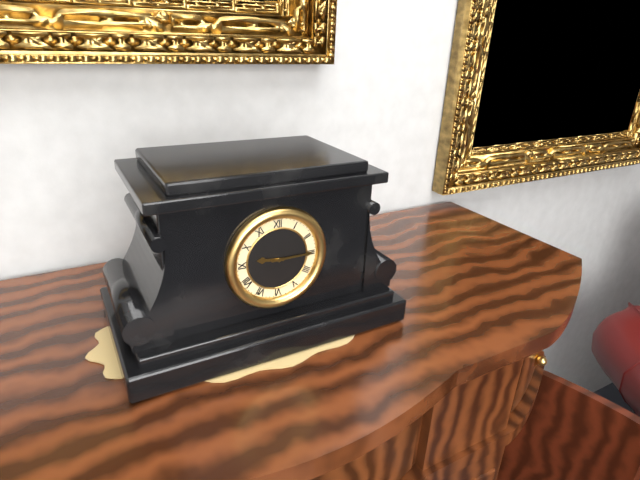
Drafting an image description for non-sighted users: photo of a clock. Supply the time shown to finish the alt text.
9:15
